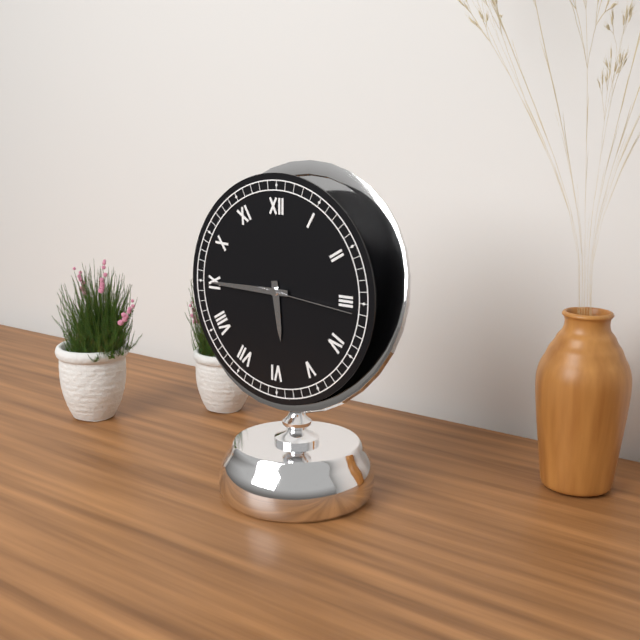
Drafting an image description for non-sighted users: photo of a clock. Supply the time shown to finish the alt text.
5:45:16
